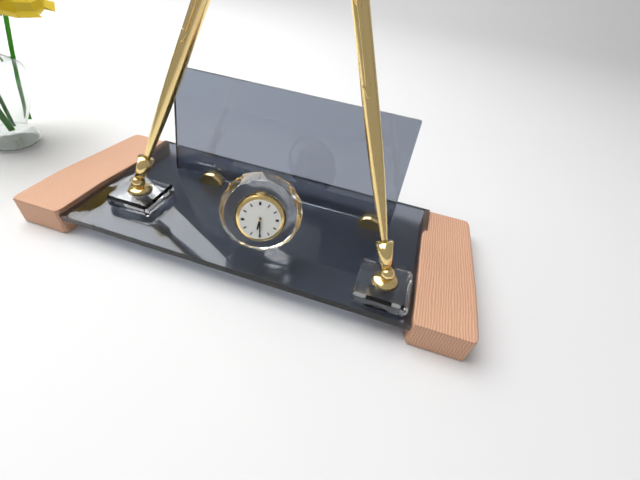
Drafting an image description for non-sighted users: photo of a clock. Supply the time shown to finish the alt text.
6:30
